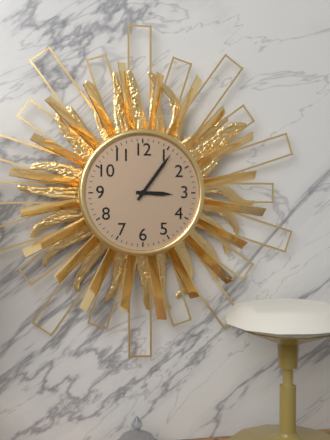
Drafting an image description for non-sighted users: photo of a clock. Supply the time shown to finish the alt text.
3:06
